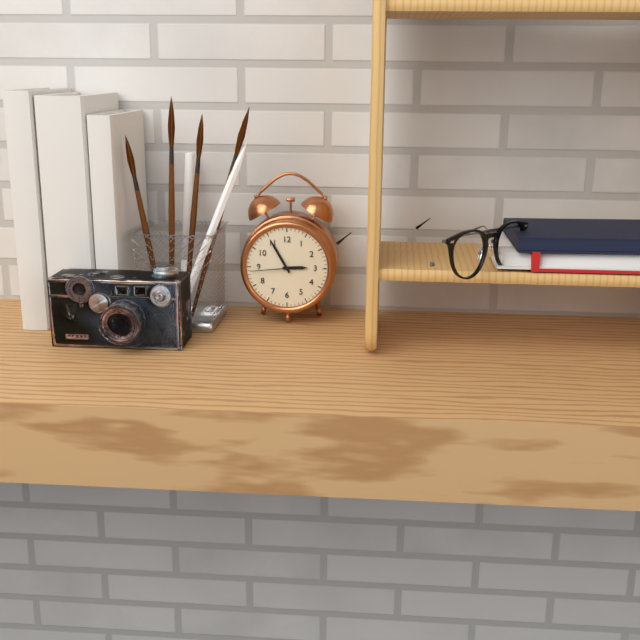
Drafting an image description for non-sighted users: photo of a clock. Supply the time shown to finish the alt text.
2:55
